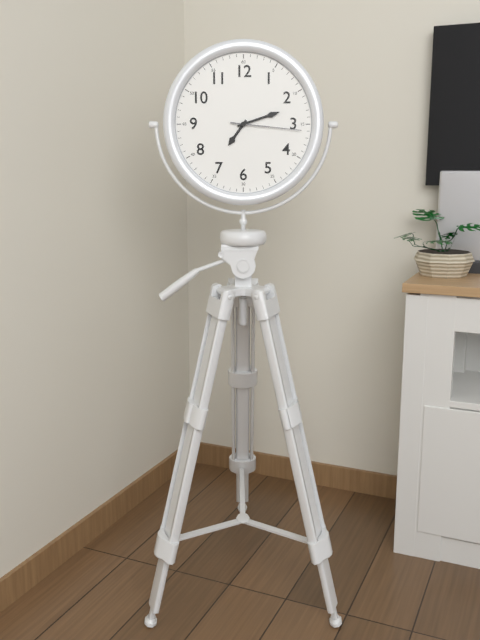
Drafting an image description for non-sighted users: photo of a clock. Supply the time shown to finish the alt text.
7:12:16
